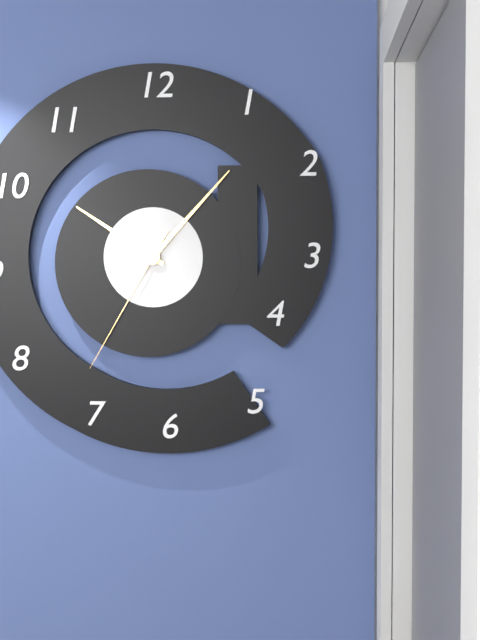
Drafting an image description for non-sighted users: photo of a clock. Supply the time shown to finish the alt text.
10:07:35
